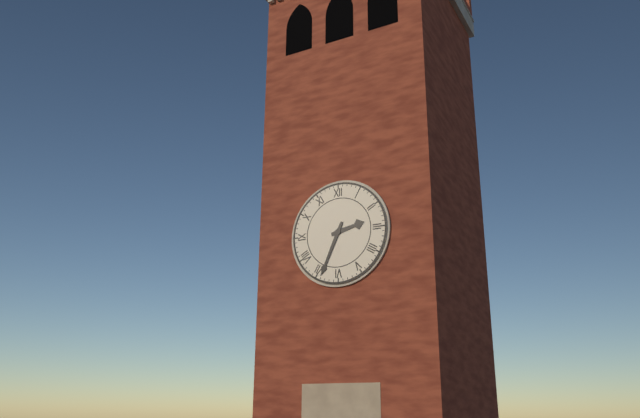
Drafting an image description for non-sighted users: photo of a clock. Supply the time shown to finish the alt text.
2:34
